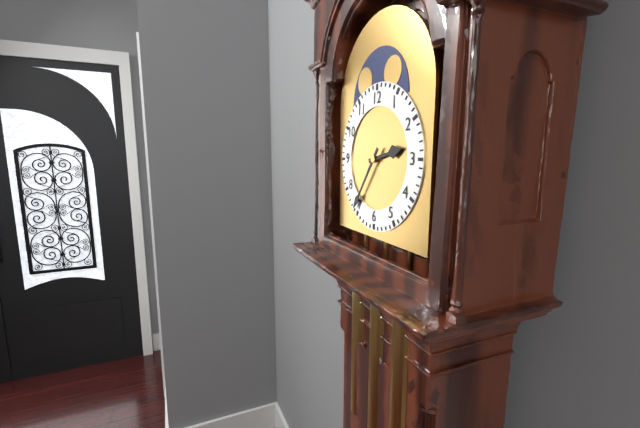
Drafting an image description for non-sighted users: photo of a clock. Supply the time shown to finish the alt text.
2:36
